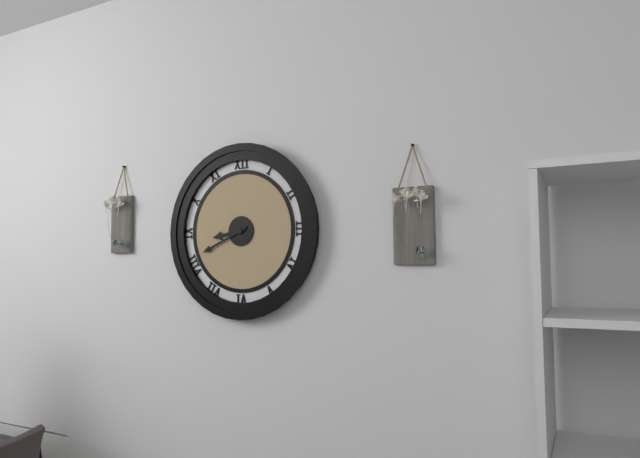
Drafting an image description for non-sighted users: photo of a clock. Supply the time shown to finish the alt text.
8:41
